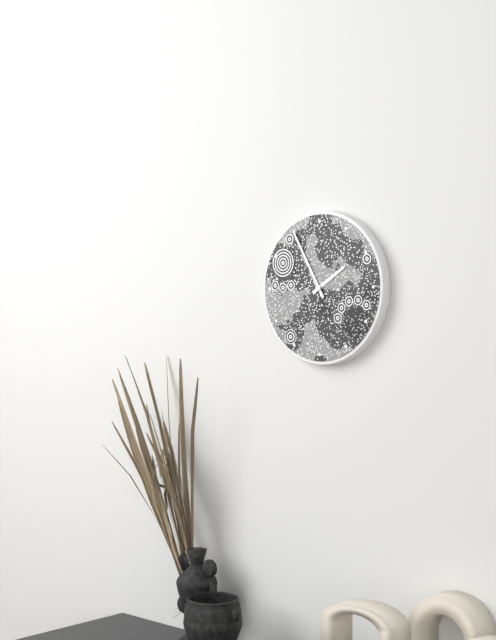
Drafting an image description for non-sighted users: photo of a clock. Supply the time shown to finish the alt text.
1:55
